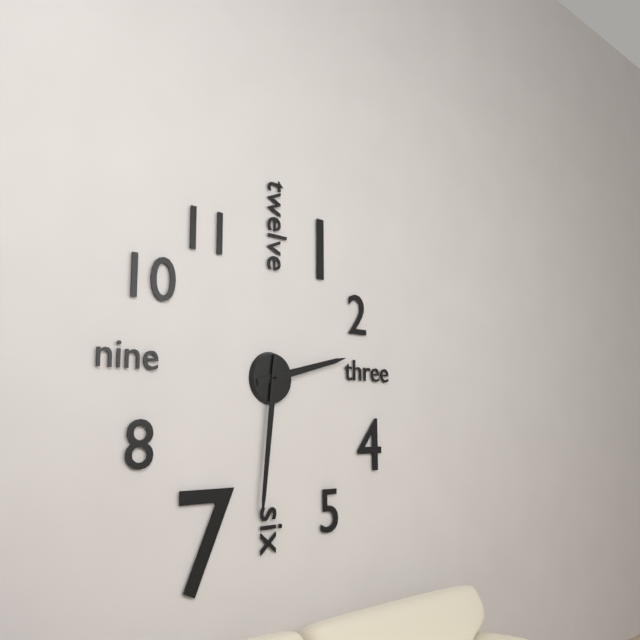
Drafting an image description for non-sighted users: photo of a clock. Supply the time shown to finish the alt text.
2:31
